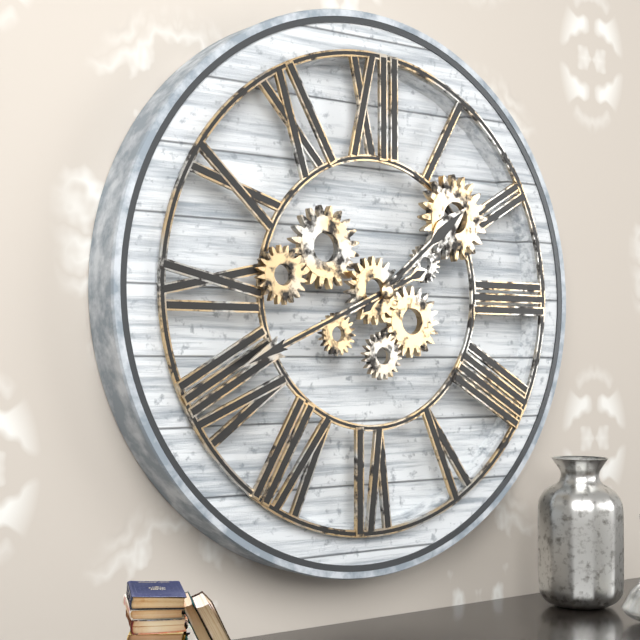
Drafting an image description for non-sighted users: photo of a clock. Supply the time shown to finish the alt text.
1:41
